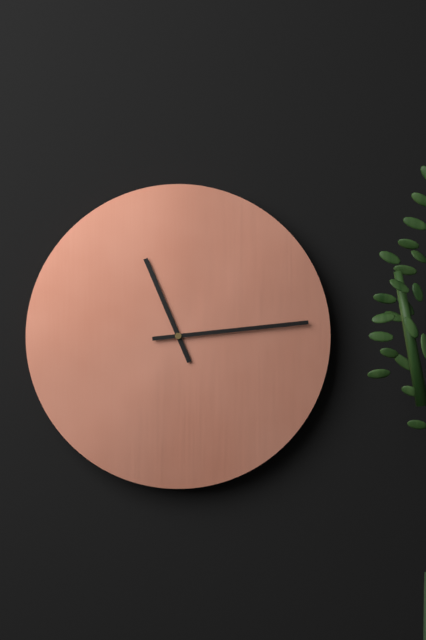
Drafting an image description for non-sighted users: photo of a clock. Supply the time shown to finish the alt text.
11:14
